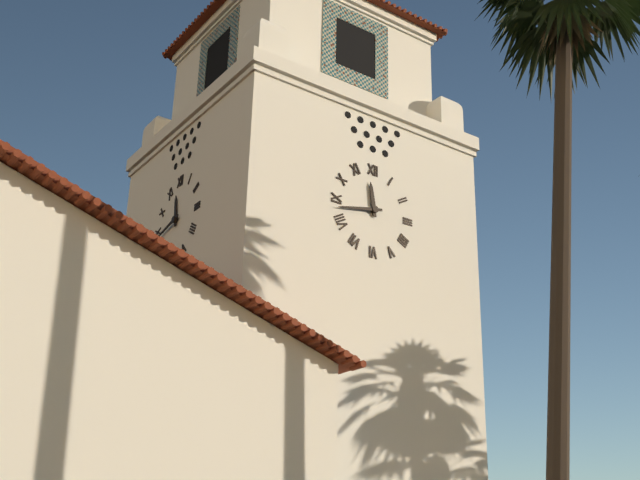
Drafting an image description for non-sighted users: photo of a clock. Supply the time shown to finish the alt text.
11:43
